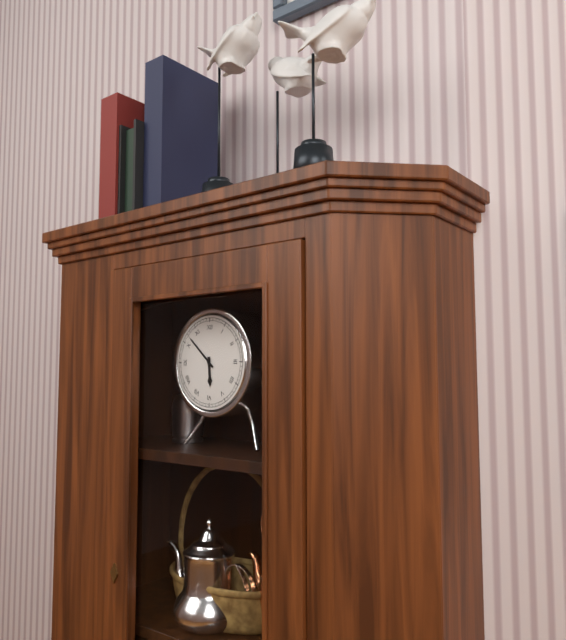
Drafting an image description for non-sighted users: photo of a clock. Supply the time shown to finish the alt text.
5:52
